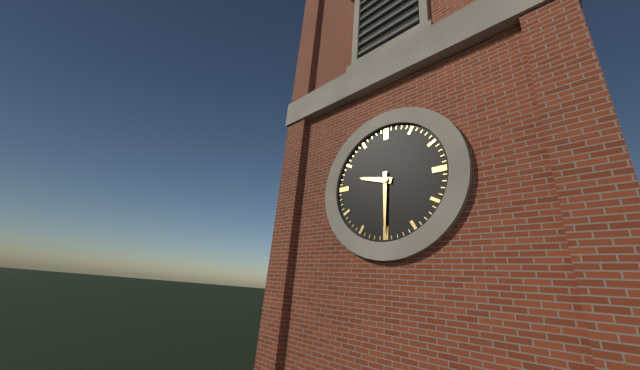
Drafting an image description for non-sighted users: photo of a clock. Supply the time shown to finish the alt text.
9:30
